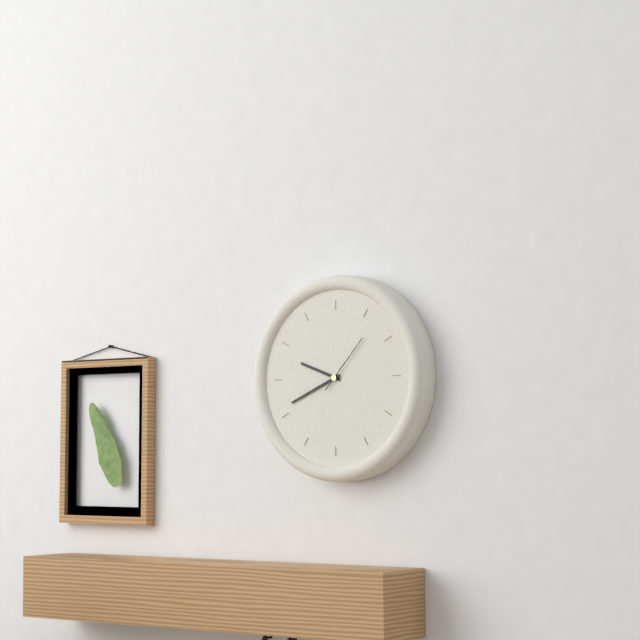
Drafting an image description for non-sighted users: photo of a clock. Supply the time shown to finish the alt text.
9:41:07
